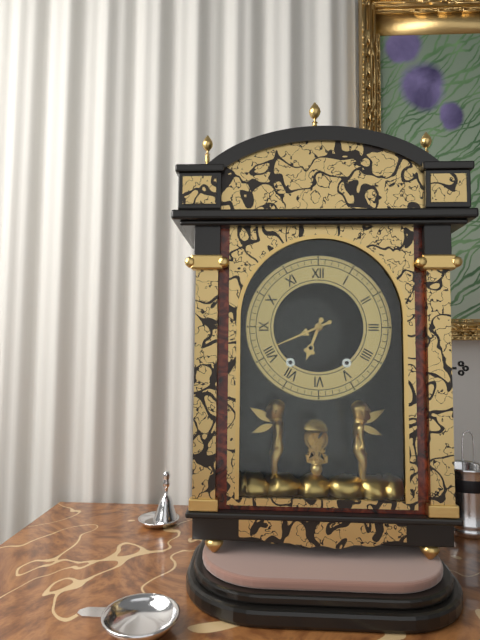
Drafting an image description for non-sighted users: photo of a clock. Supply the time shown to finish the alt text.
6:41
